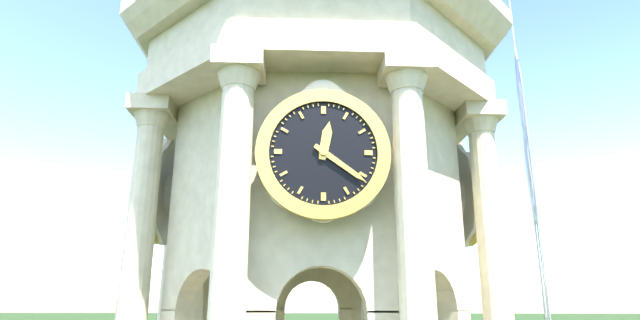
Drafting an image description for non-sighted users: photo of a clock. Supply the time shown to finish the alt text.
12:21
